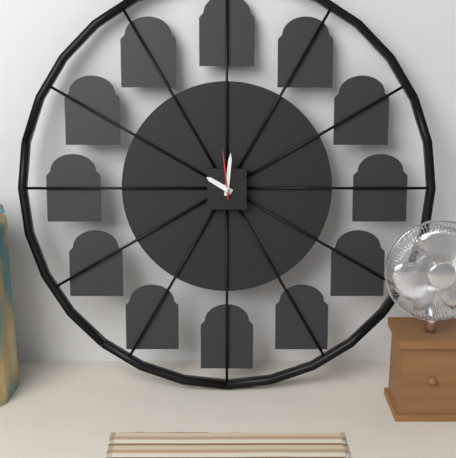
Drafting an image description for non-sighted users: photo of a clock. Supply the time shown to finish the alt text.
10:01:59
